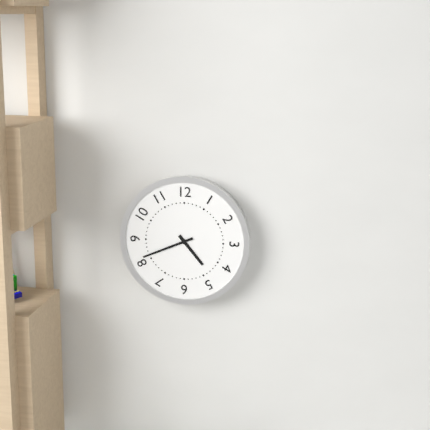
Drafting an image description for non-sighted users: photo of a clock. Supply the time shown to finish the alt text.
4:41
